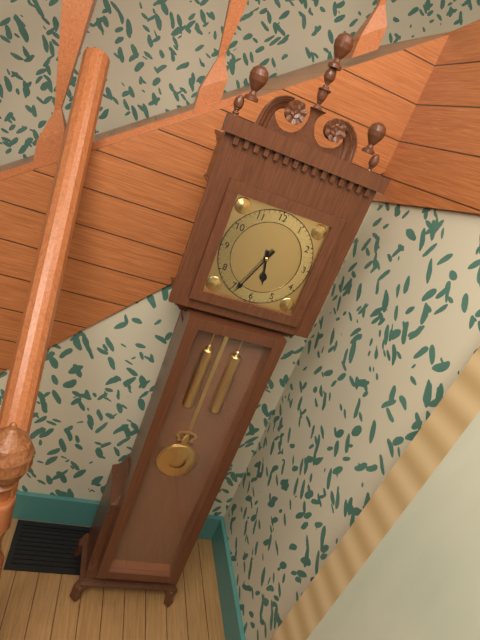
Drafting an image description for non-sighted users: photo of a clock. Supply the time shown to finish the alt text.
5:34
